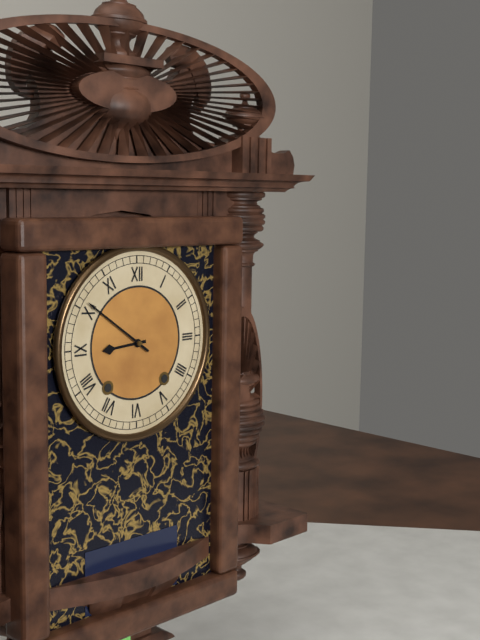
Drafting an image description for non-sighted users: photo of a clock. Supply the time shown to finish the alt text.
8:51
